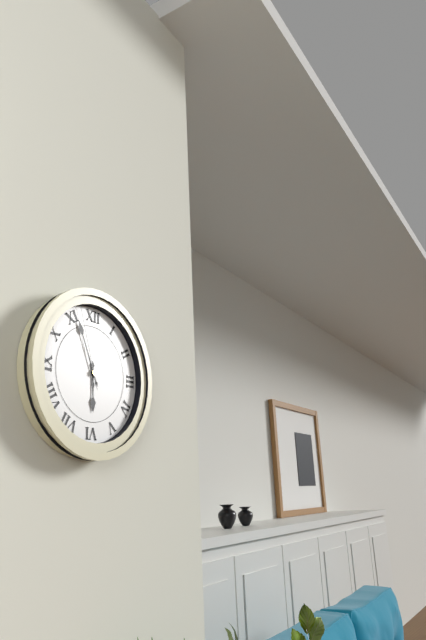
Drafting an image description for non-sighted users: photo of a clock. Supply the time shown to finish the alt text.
5:56:57
